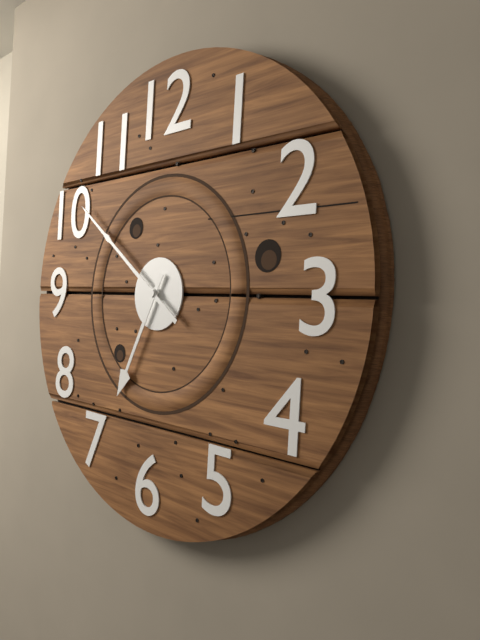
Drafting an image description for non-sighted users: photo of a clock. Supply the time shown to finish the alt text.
6:51
